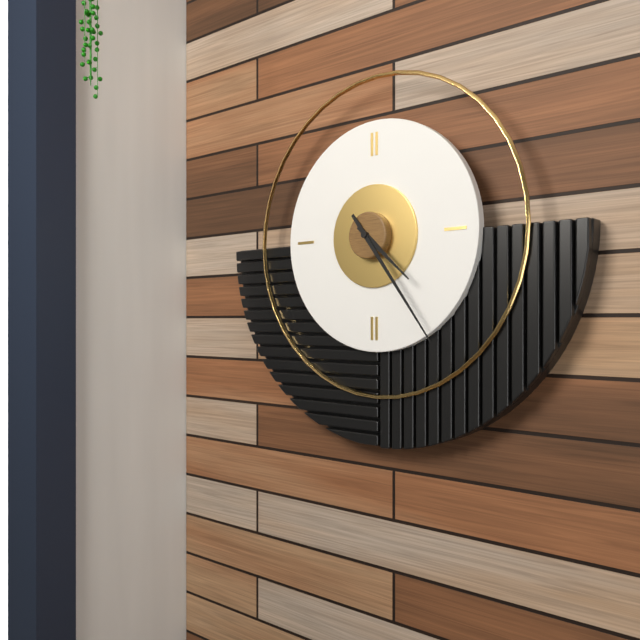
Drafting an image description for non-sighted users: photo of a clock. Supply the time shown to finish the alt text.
4:24
